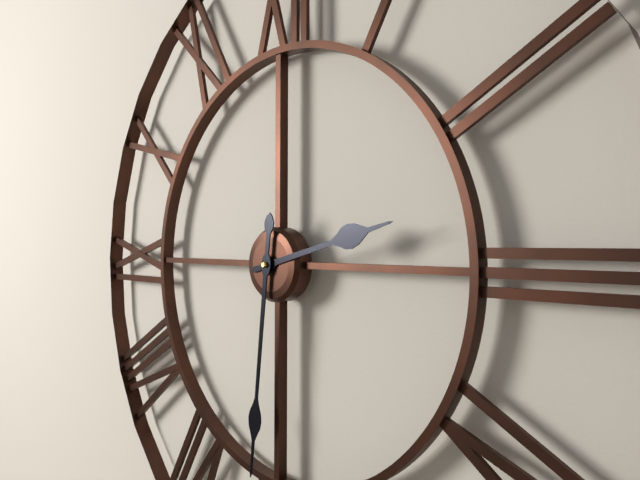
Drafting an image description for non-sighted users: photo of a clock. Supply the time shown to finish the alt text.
2:31
